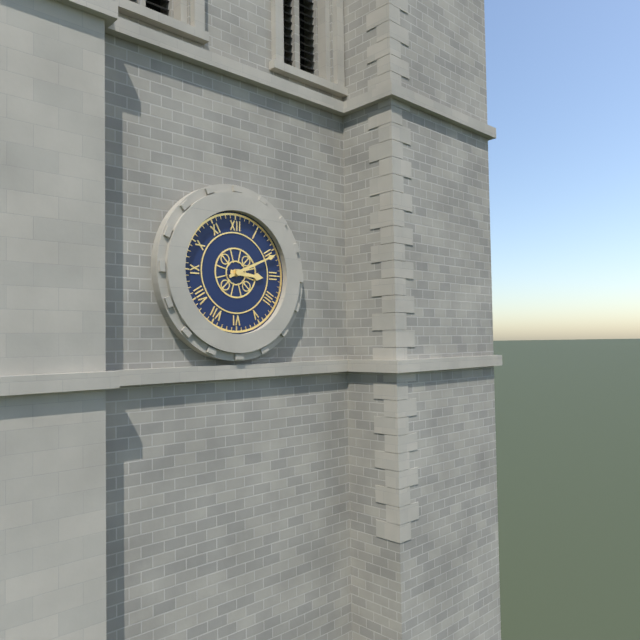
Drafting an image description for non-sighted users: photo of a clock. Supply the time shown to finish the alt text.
3:11
